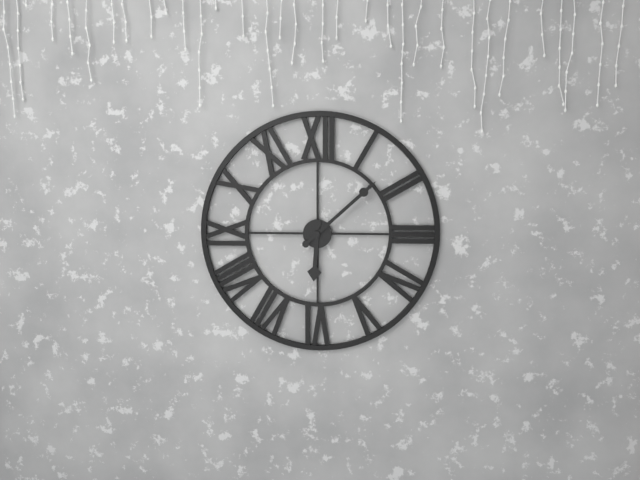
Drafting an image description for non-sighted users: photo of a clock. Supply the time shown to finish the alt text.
6:08
